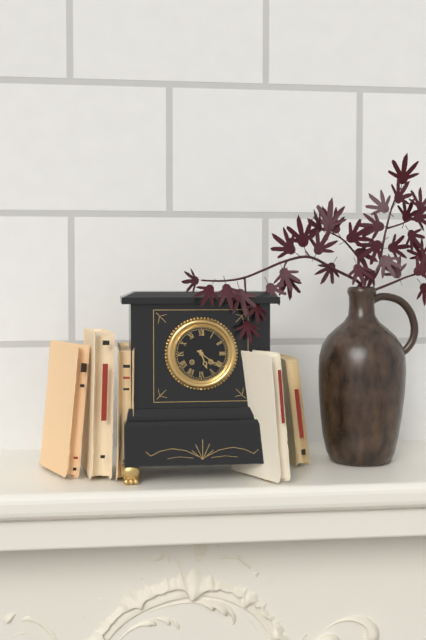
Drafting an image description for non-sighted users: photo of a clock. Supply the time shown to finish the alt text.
5:21
